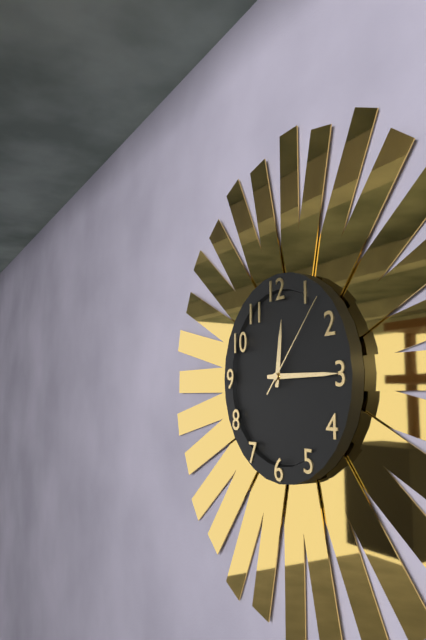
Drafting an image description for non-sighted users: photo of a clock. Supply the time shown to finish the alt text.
12:15:07
